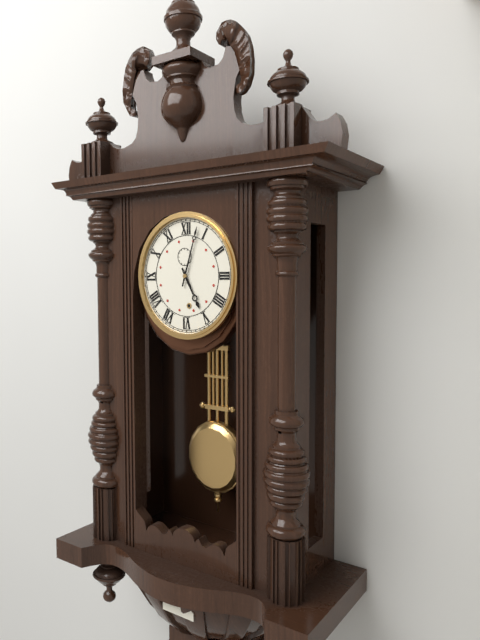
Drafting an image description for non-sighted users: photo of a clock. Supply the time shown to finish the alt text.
5:03
